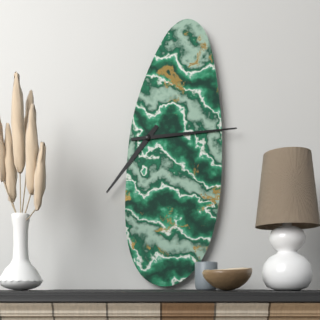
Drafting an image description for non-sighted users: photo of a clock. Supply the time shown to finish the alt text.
7:14
